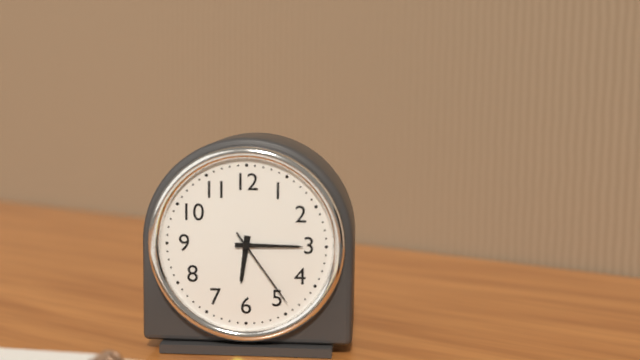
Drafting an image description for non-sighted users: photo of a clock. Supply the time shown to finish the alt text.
6:15:24
